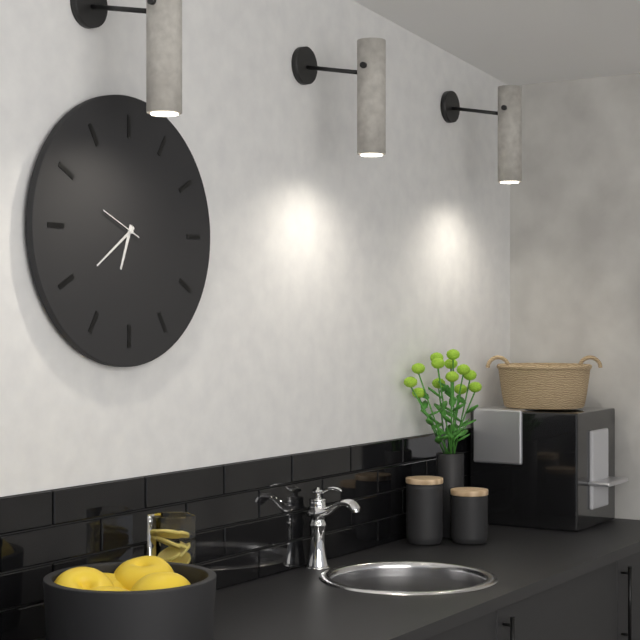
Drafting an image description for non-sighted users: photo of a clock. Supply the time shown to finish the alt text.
6:39
